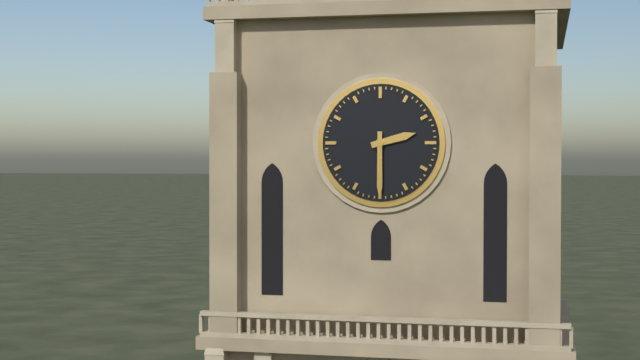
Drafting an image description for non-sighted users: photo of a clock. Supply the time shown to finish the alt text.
2:30
